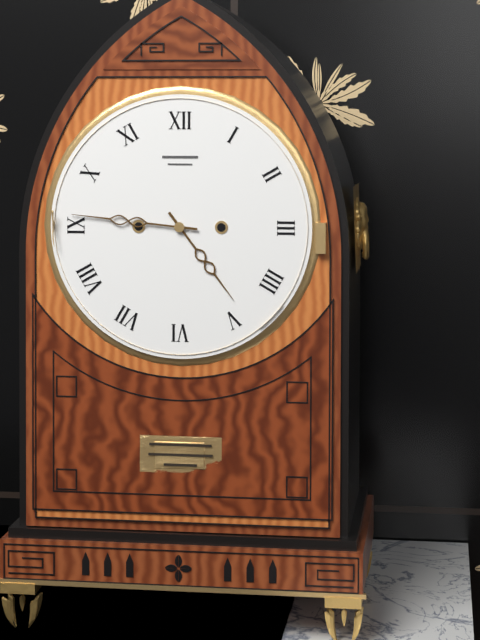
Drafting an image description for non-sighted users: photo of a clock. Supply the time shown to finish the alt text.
4:46
